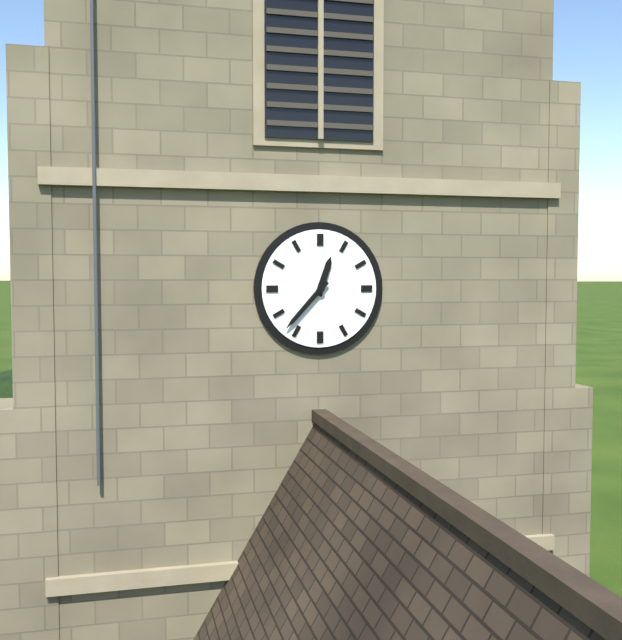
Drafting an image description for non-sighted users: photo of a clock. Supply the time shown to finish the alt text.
12:37
